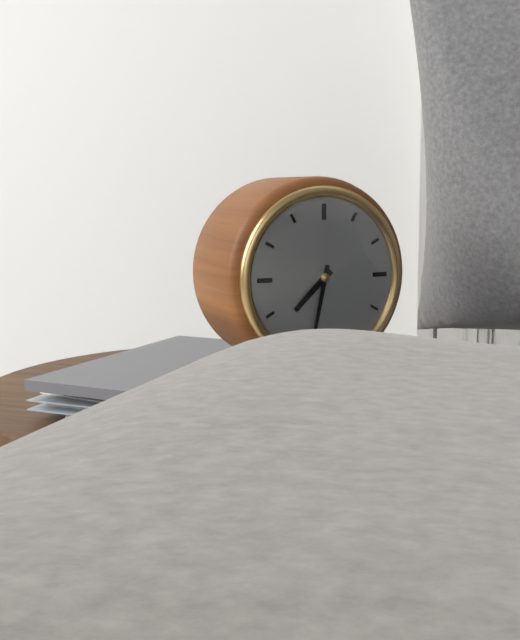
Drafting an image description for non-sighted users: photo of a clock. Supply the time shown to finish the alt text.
7:32
